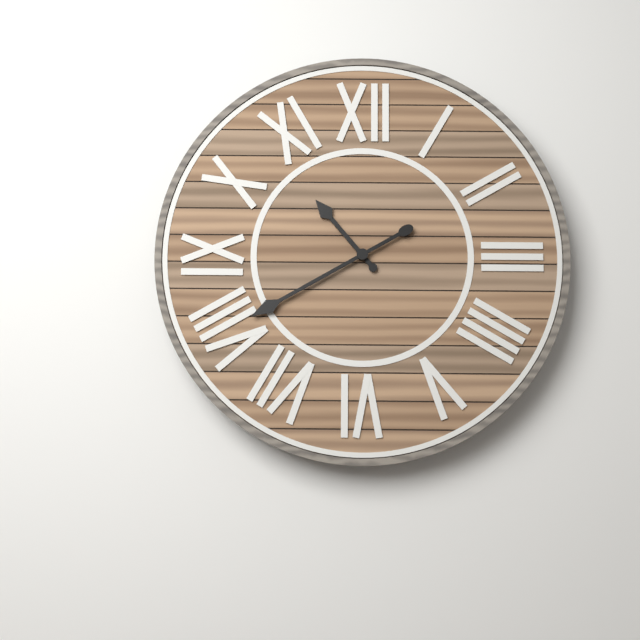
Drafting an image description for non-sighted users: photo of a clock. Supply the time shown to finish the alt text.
10:40
